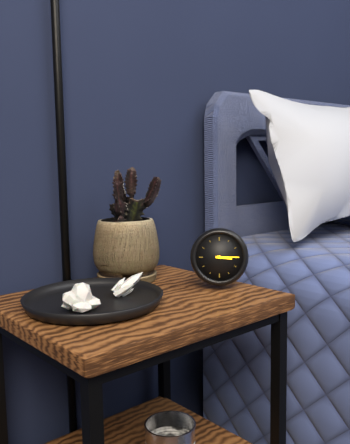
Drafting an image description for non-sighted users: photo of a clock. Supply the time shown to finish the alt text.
3:15
